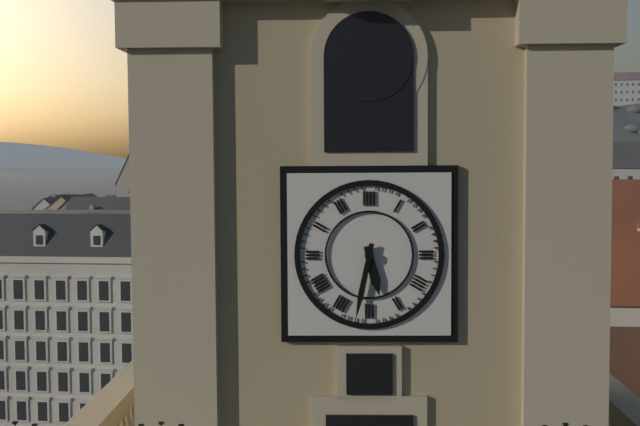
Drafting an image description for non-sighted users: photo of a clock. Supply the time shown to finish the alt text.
5:32
